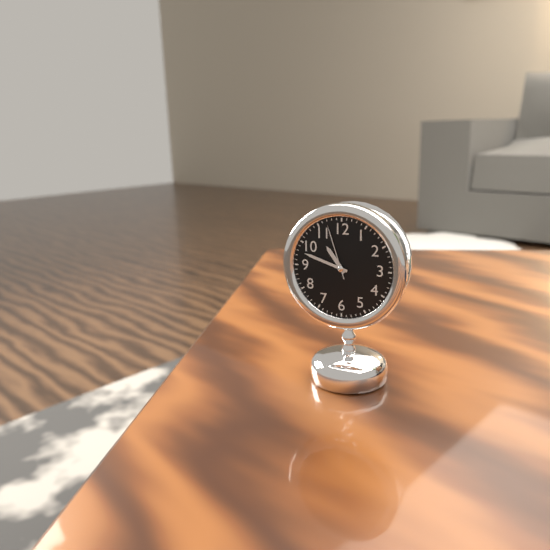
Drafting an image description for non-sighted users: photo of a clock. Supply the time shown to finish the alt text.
10:48:57
